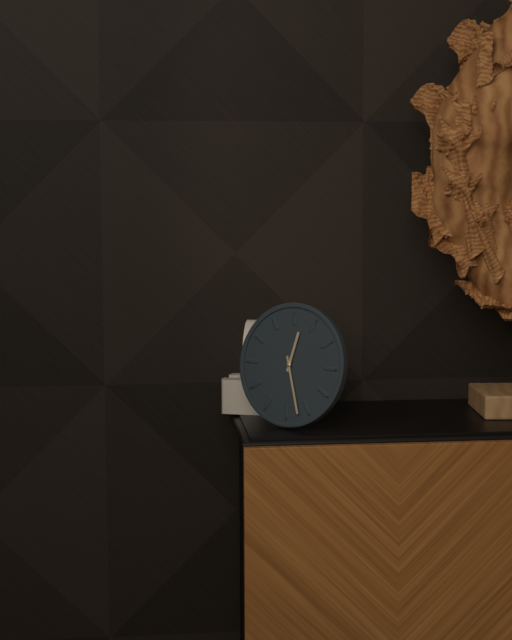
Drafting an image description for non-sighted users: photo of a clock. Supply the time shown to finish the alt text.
12:27
